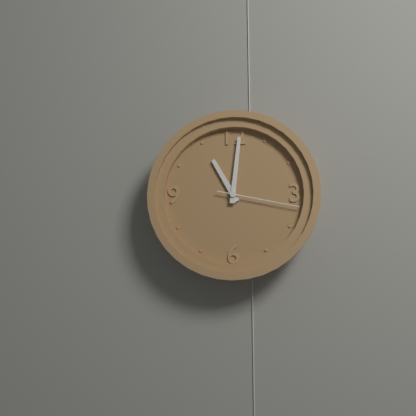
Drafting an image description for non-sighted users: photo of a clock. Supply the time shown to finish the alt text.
11:01:17
